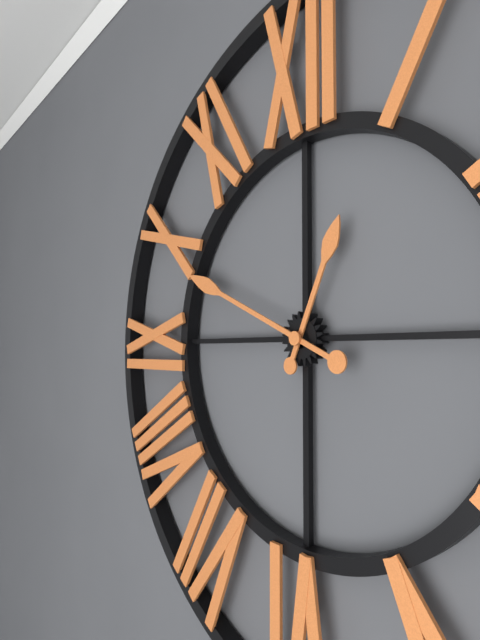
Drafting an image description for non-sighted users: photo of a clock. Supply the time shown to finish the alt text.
12:49
